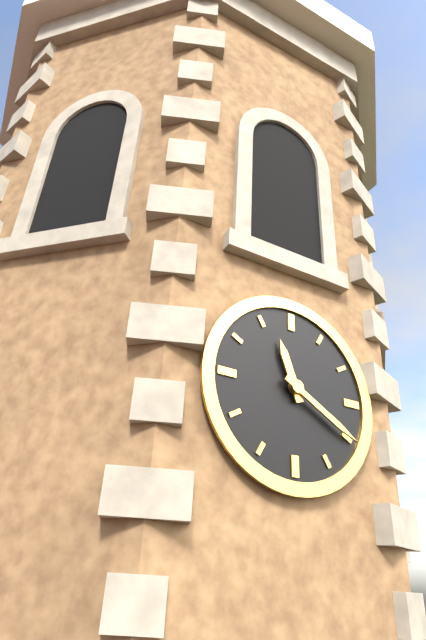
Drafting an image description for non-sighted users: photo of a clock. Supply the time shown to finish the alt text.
11:20
